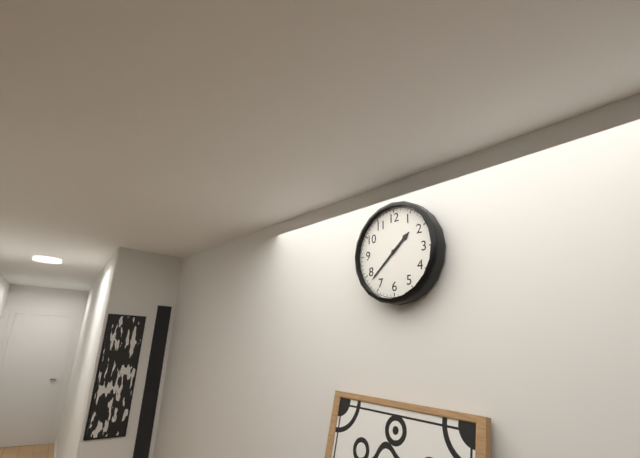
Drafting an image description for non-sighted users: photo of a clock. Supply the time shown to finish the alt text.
1:38
